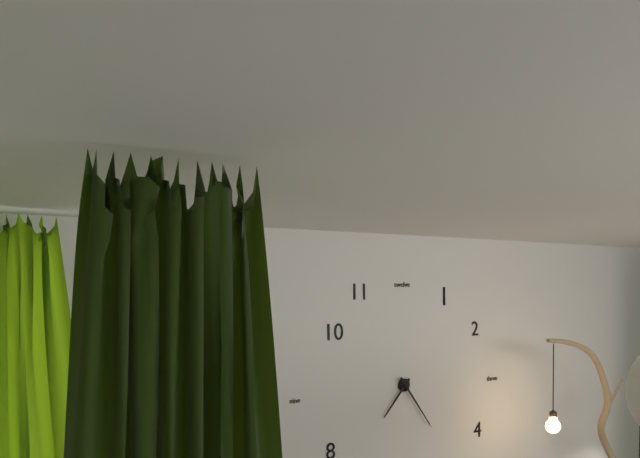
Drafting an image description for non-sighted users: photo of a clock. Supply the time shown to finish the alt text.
7:24
